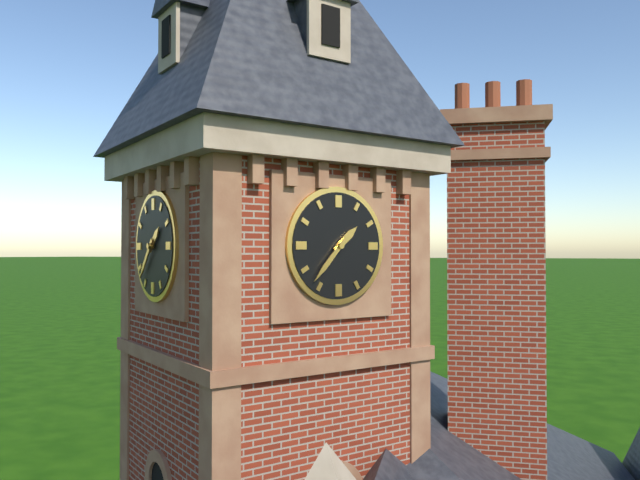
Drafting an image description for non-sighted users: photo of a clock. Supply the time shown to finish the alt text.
1:37
